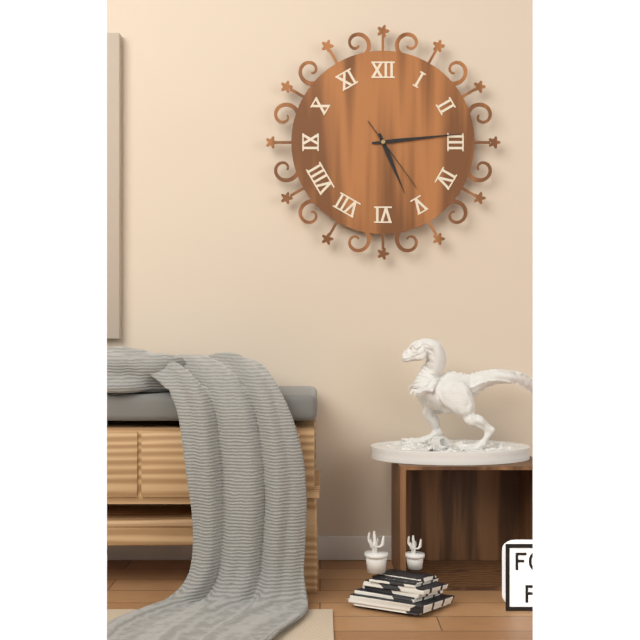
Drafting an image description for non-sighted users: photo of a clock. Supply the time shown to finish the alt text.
5:14:24
